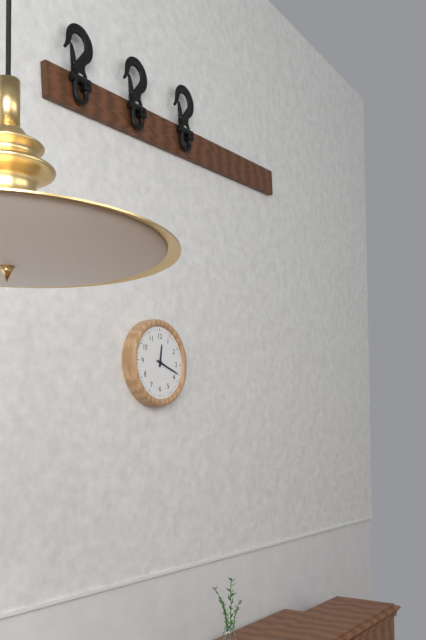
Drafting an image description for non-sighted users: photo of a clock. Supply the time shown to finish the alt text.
12:18
